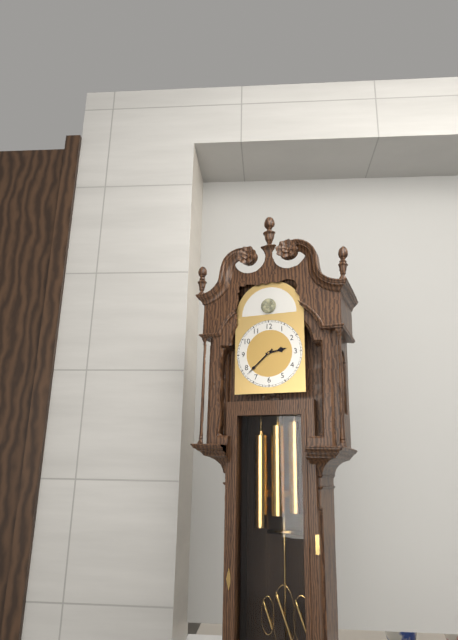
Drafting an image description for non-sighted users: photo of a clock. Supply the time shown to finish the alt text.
2:38
